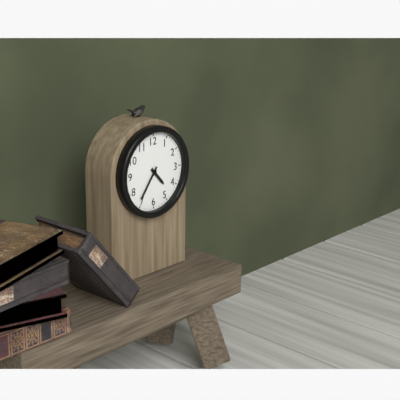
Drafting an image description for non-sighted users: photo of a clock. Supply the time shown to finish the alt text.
4:36
